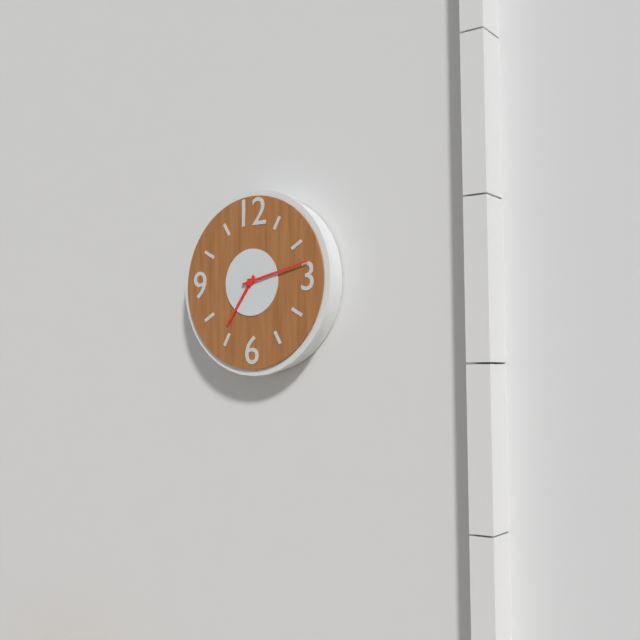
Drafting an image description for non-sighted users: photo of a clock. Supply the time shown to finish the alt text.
7:13
